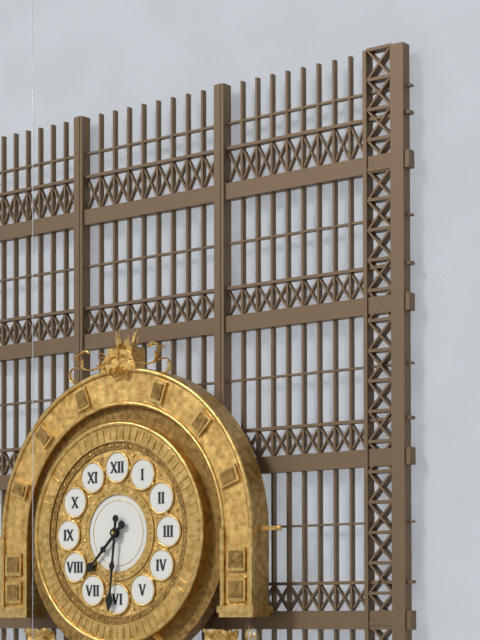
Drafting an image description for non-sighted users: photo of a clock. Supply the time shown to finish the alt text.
7:31
